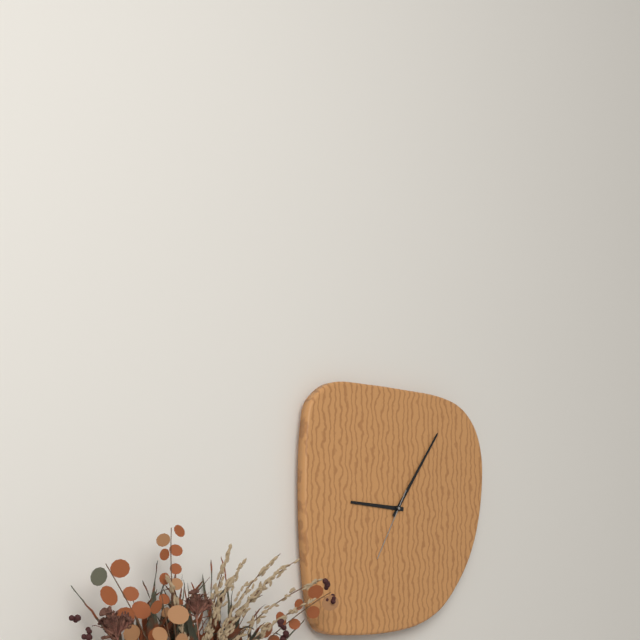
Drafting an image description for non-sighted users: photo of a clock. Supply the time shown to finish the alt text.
9:06:35
